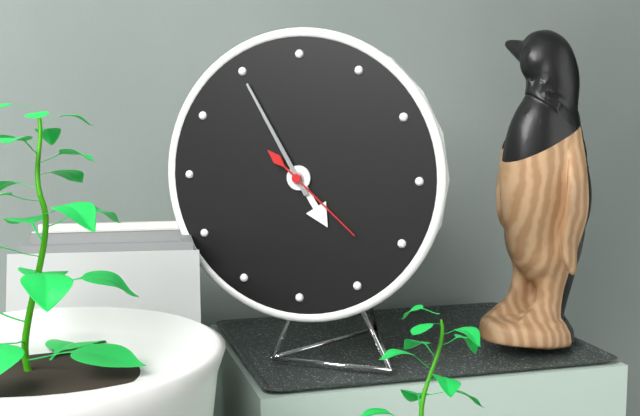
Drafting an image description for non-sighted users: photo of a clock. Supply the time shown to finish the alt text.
4:55:22
